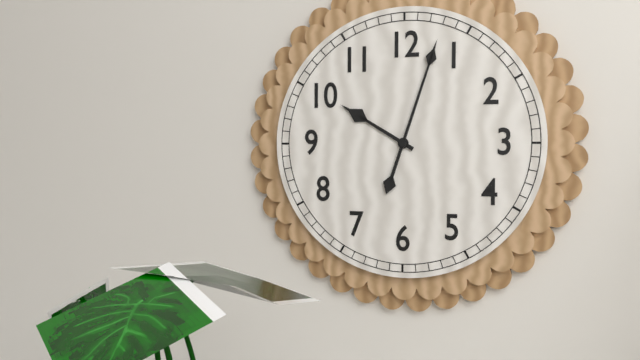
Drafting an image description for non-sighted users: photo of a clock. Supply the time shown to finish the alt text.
10:03
